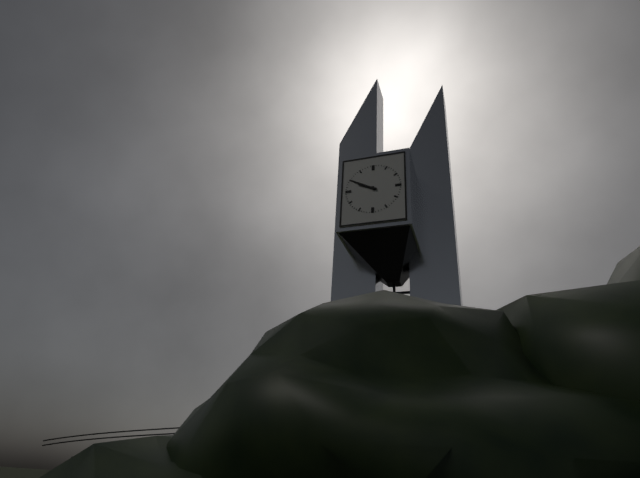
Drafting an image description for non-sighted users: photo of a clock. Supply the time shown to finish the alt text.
9:50
